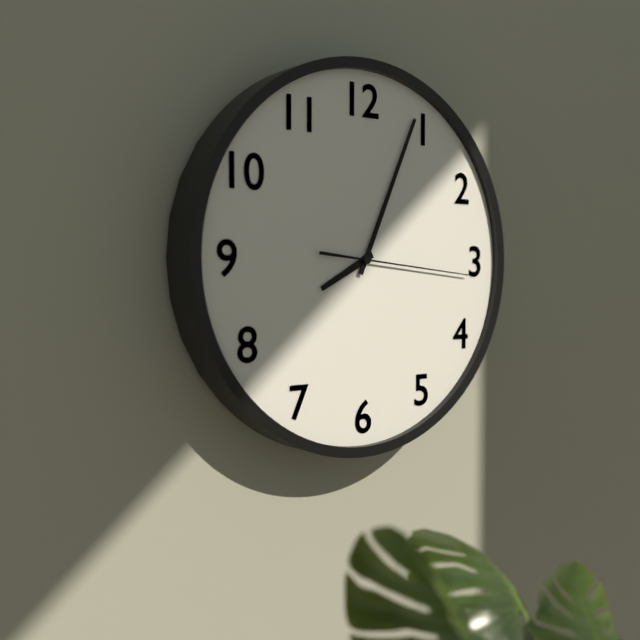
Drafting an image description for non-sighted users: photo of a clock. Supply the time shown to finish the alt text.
8:04:16
